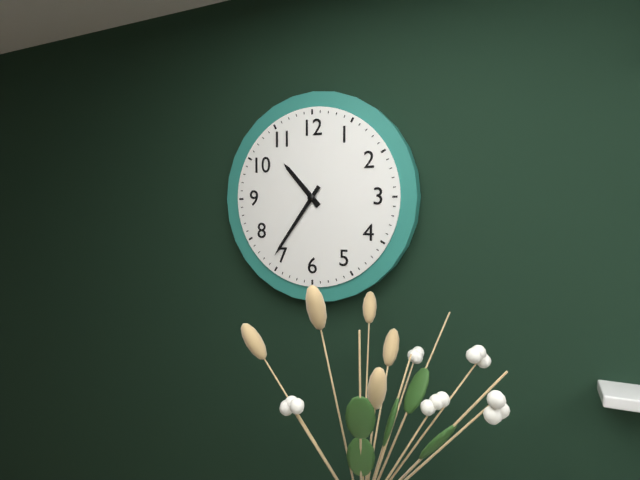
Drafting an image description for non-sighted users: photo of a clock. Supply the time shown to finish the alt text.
10:36
